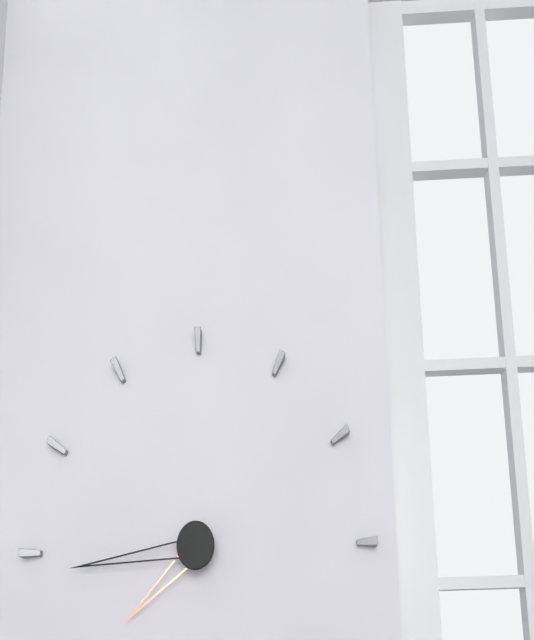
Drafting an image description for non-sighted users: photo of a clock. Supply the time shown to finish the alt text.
7:44
